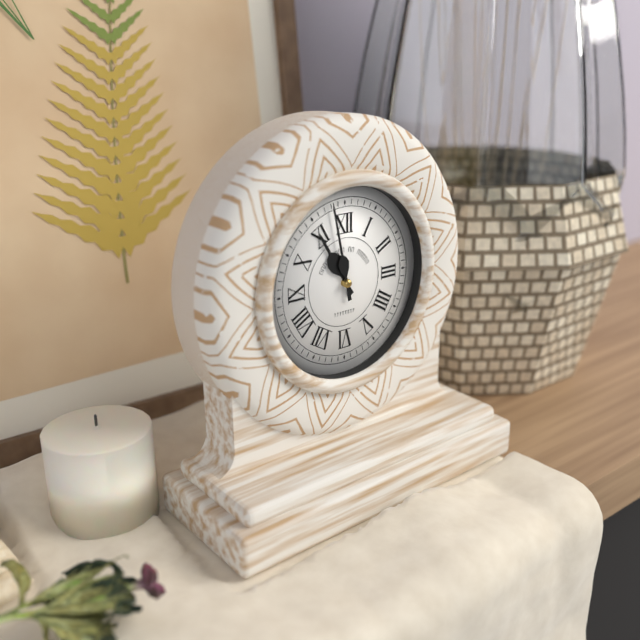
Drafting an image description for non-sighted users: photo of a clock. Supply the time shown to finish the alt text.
10:58
